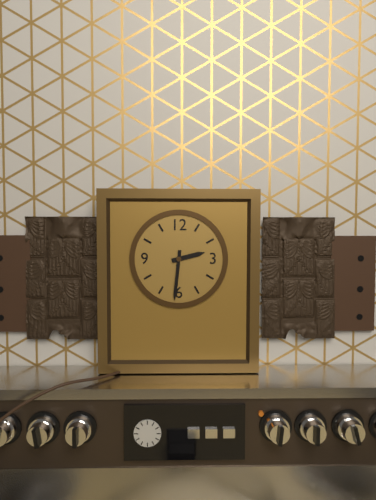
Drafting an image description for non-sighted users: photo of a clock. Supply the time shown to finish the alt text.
2:31
